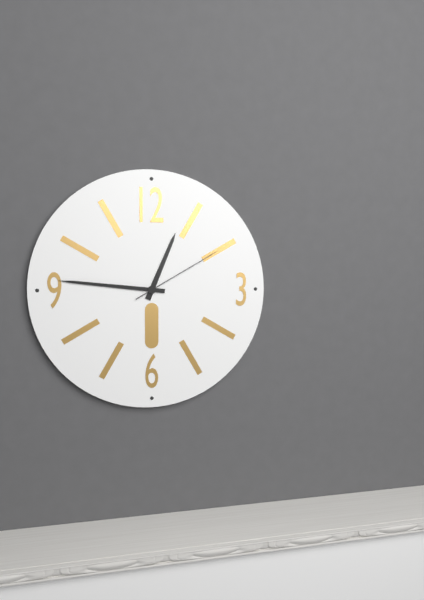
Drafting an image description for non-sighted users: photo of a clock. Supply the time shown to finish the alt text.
12:46:10
